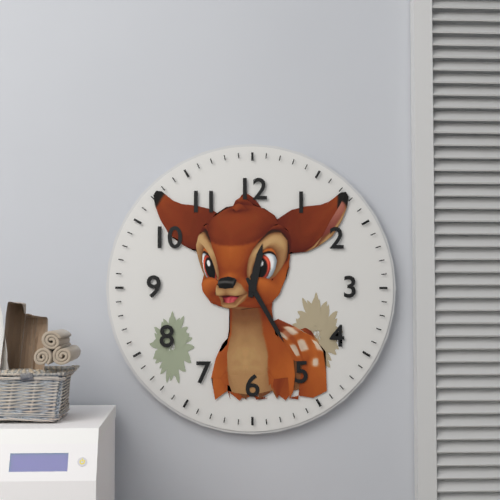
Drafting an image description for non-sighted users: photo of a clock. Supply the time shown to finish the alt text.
12:25
